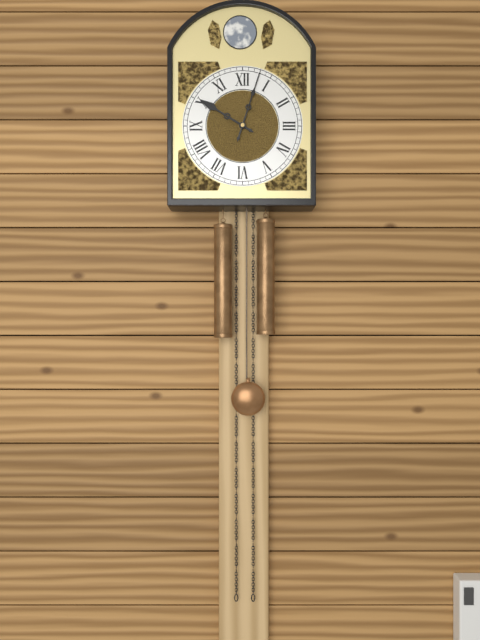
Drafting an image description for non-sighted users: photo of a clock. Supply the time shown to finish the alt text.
10:03
